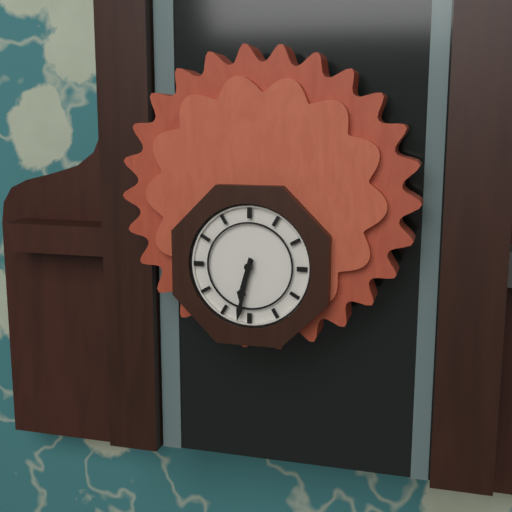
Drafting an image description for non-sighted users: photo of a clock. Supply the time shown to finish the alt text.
6:32
